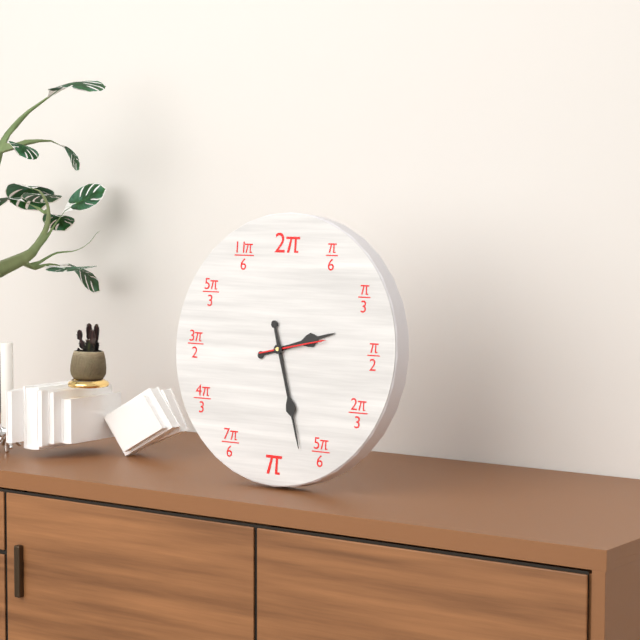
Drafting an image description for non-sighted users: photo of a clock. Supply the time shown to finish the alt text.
2:27:13
